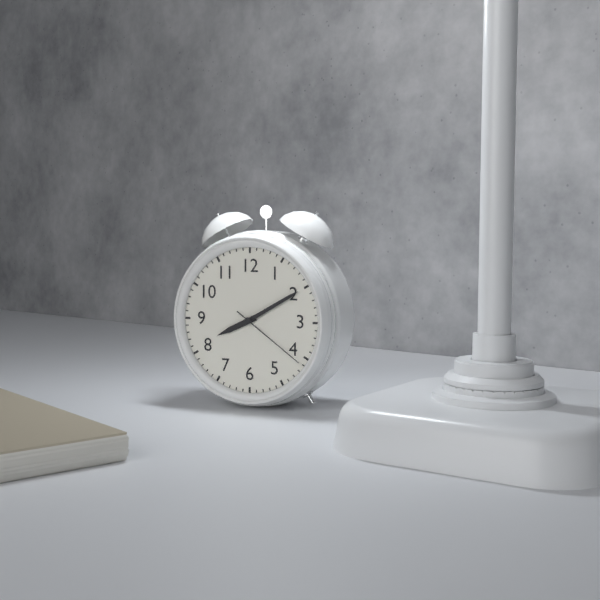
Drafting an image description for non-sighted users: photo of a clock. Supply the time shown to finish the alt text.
8:10:21
